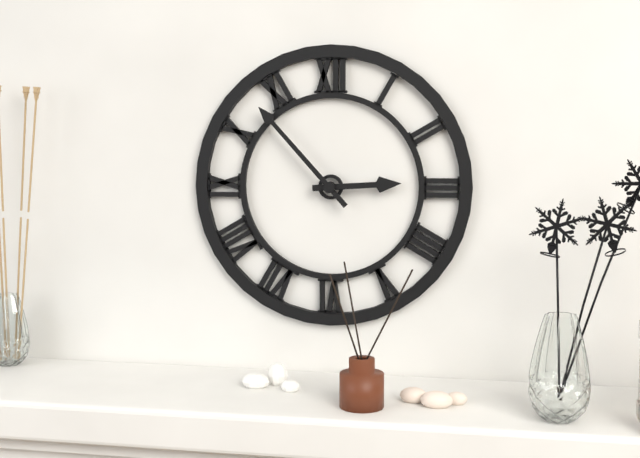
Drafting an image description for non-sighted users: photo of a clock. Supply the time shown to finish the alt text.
2:53
